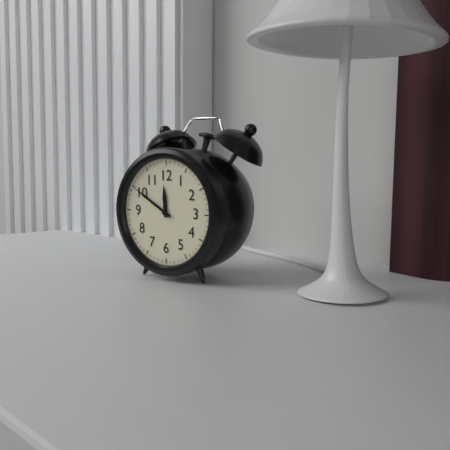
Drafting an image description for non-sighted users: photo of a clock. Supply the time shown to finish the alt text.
11:50
